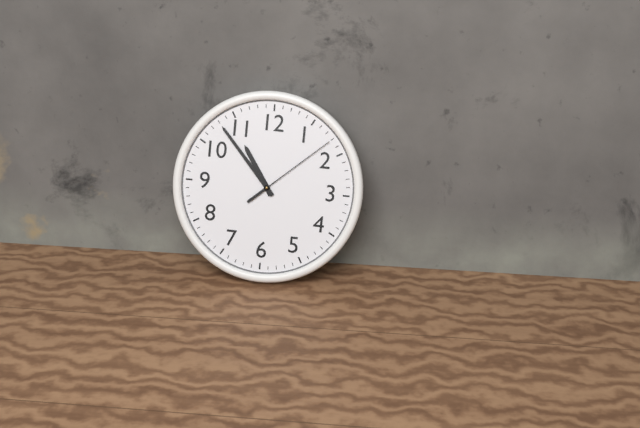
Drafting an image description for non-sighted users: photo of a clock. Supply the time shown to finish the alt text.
10:53:08
